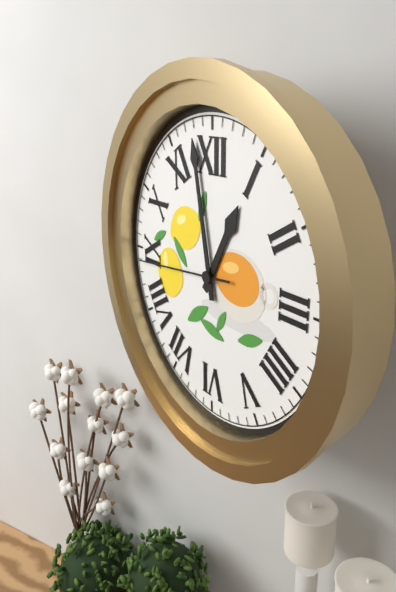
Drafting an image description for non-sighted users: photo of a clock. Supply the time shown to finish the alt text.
12:58:44
